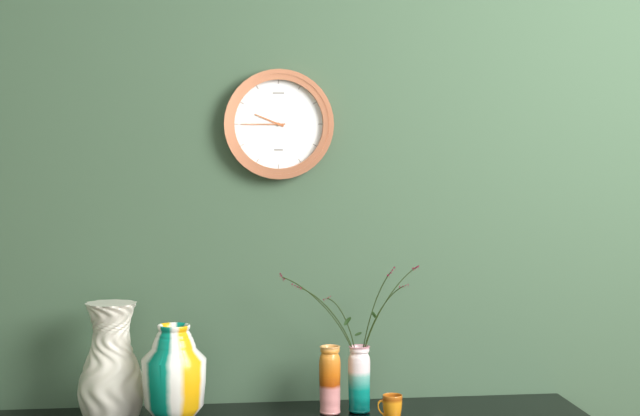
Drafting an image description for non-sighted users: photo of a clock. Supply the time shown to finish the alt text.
9:45
